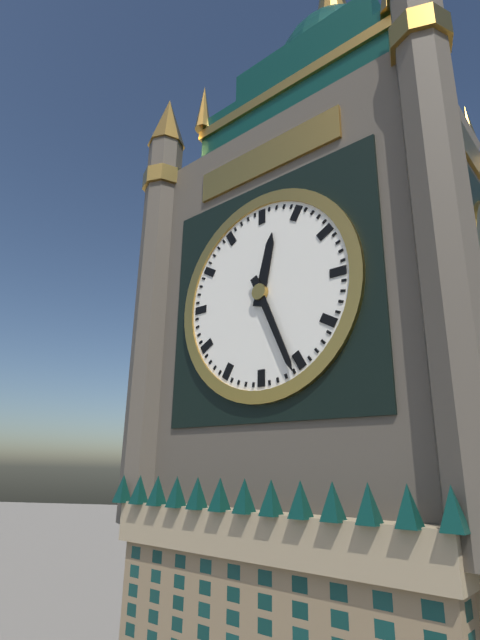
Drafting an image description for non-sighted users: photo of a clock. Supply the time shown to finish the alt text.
12:26
